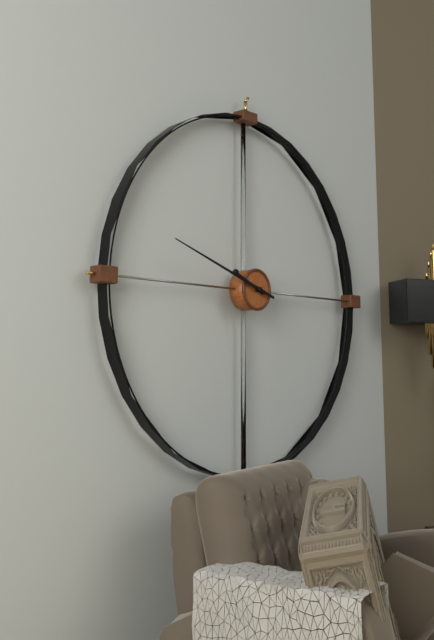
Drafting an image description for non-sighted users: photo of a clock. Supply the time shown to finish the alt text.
9:48
